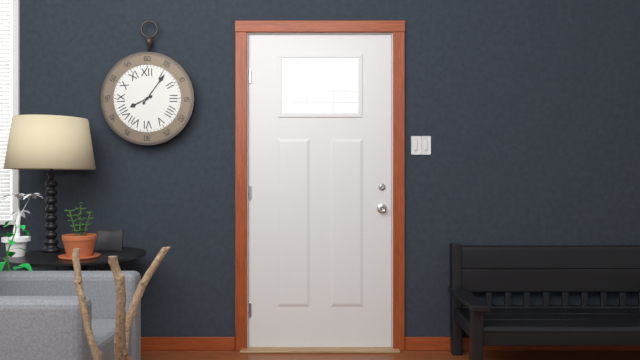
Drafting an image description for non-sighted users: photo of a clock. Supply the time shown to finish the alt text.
8:06
